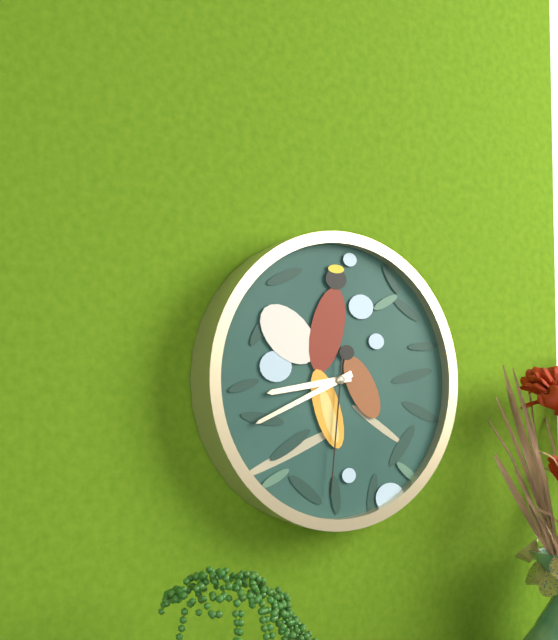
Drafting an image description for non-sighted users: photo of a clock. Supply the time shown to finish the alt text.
8:41:31
